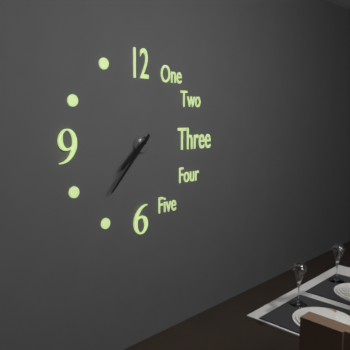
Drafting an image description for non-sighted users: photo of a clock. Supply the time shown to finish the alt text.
7:37
